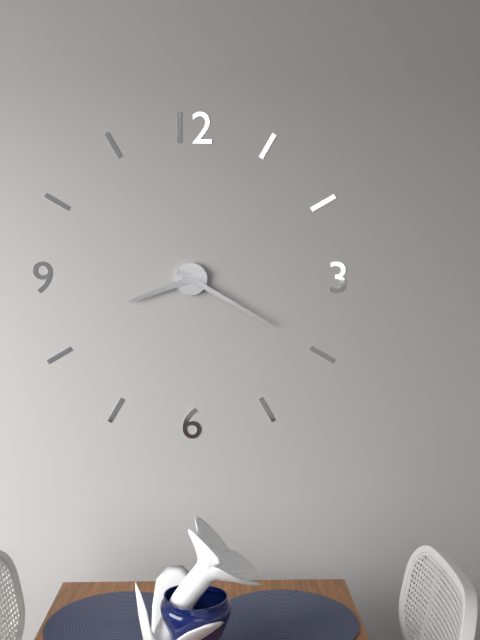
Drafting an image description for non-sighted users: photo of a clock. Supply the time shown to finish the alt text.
8:20
